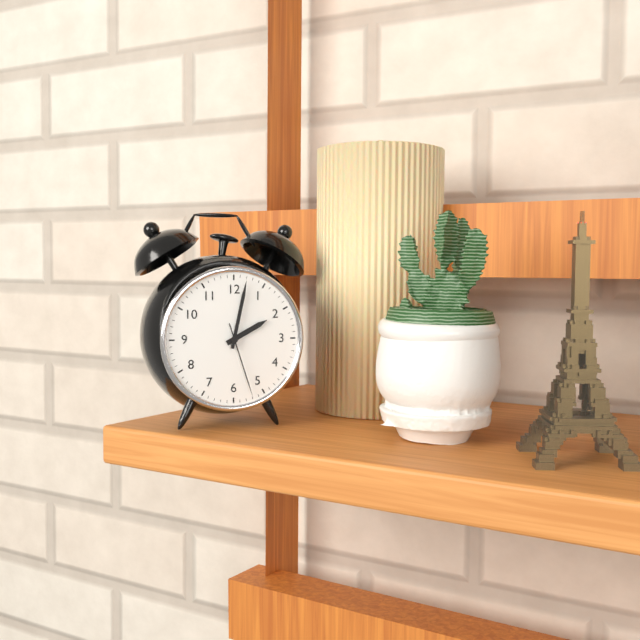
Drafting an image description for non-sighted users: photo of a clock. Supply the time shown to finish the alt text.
2:02:27
